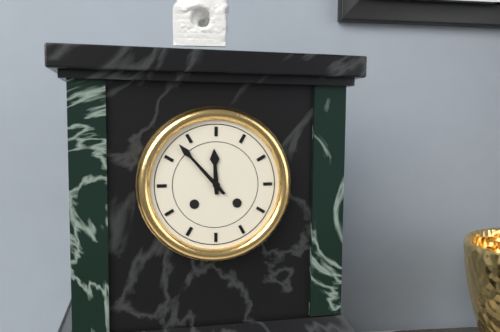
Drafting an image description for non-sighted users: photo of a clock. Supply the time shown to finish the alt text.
11:53
